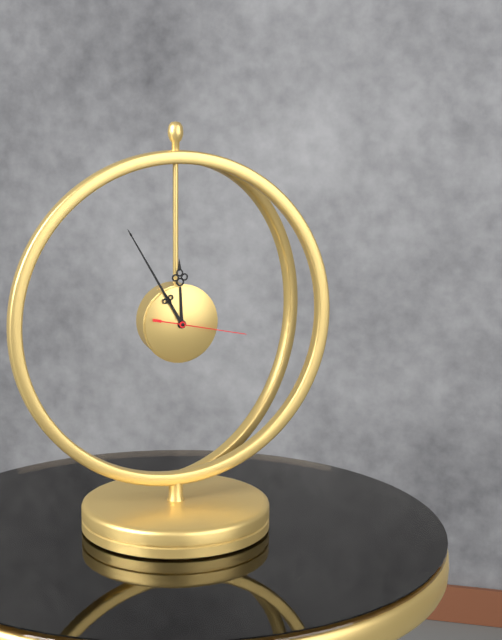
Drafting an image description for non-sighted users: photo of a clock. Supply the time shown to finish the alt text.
11:55:17
